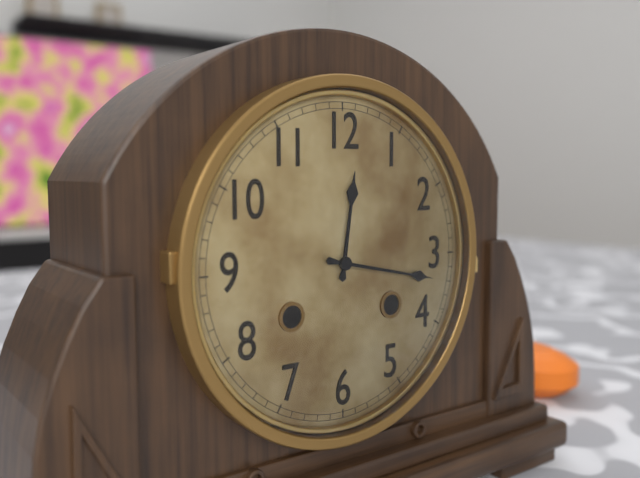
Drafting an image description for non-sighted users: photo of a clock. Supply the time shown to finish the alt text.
12:17
